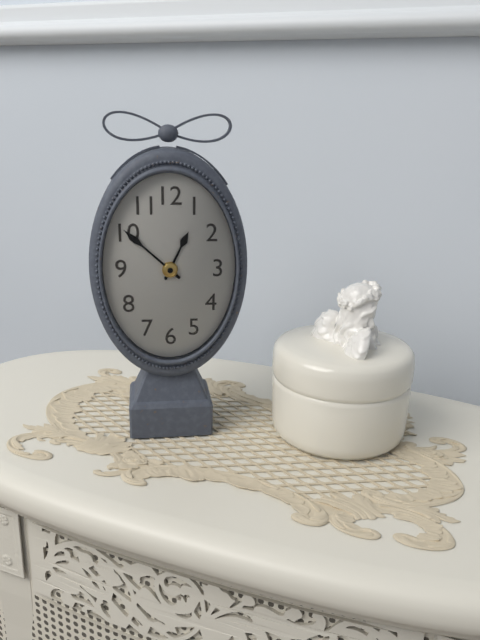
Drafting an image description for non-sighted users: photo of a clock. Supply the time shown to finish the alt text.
12:52
